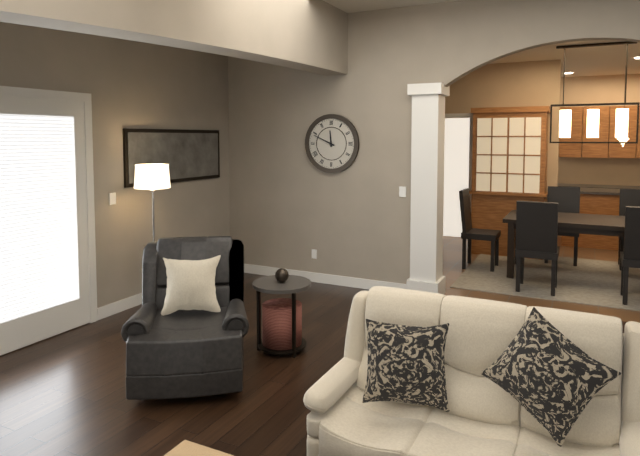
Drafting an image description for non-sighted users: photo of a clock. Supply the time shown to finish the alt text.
11:49
